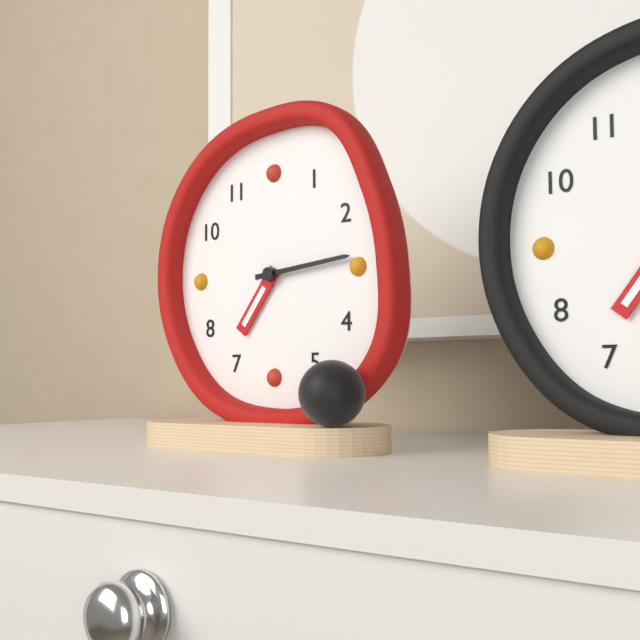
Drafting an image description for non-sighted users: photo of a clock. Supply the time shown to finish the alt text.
7:14
